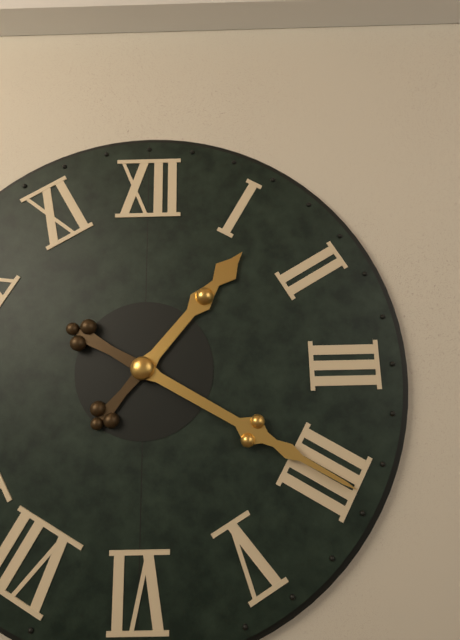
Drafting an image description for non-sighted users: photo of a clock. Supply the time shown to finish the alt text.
1:20
